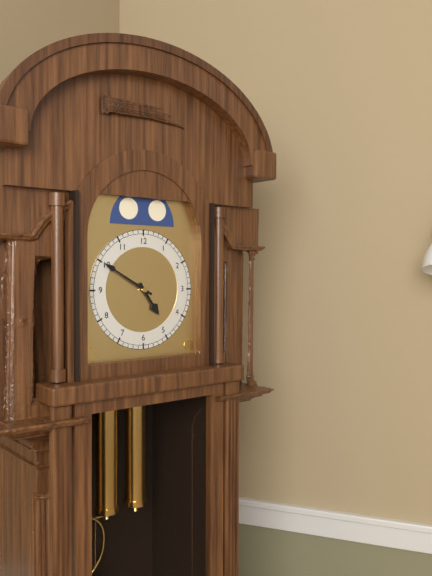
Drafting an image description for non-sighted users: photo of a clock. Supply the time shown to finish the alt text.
4:50
